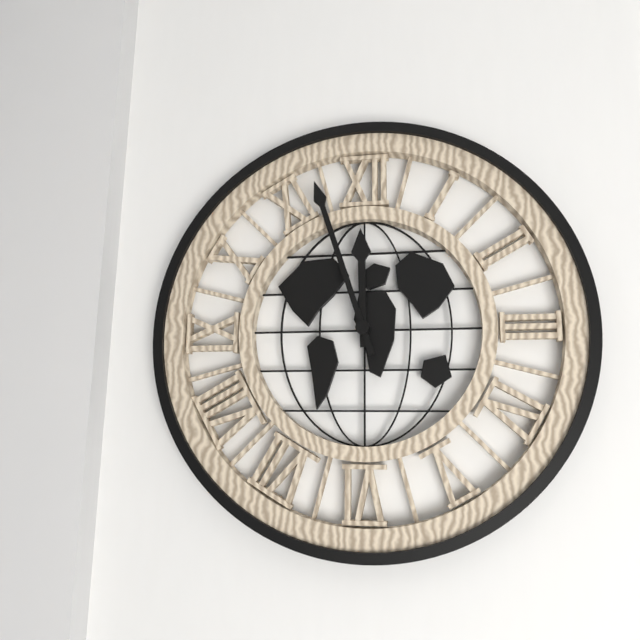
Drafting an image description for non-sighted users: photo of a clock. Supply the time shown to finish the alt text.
11:57
